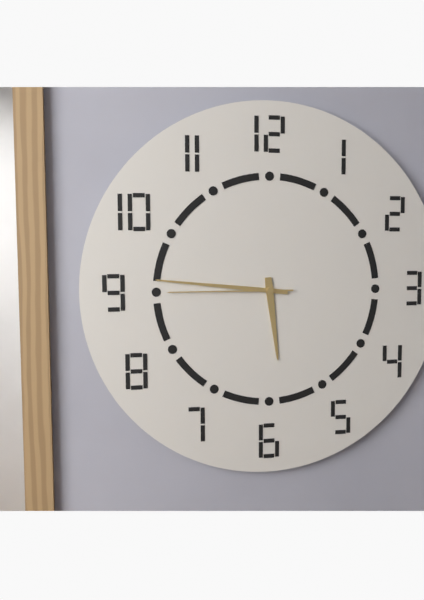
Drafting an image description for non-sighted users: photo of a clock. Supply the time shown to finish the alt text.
5:46:45
